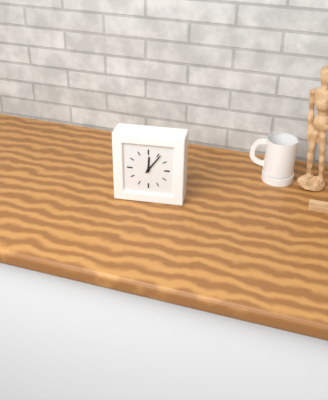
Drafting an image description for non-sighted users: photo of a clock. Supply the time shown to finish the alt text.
12:06
